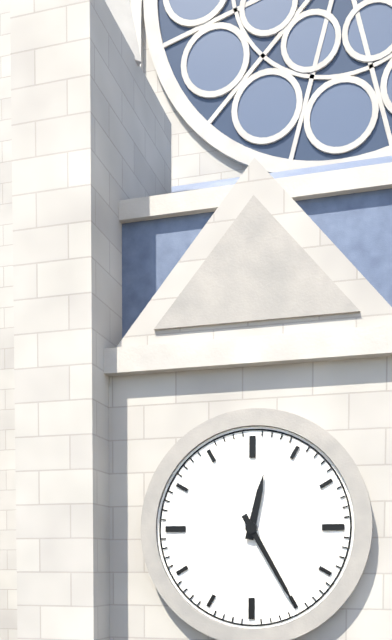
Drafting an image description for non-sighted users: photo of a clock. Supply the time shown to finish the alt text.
12:25
